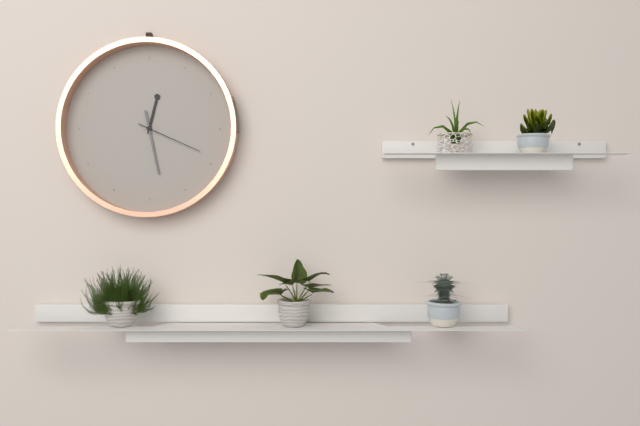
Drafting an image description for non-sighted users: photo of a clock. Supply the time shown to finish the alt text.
12:28:19
